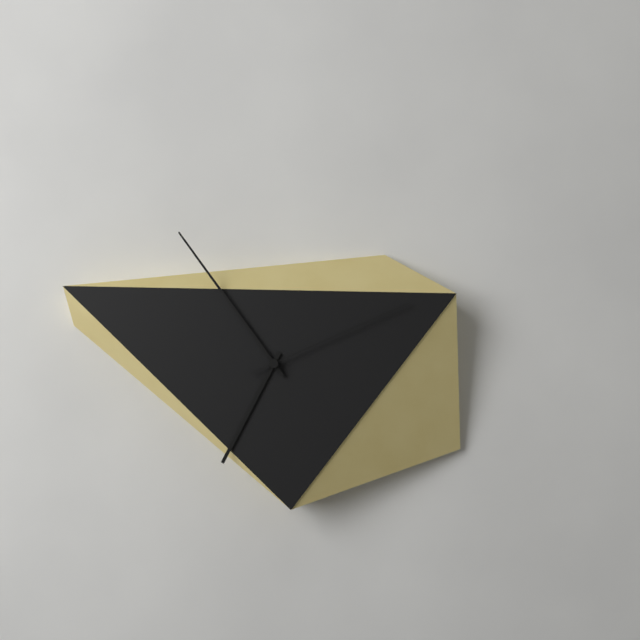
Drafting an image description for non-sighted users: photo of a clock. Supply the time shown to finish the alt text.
6:54:11
